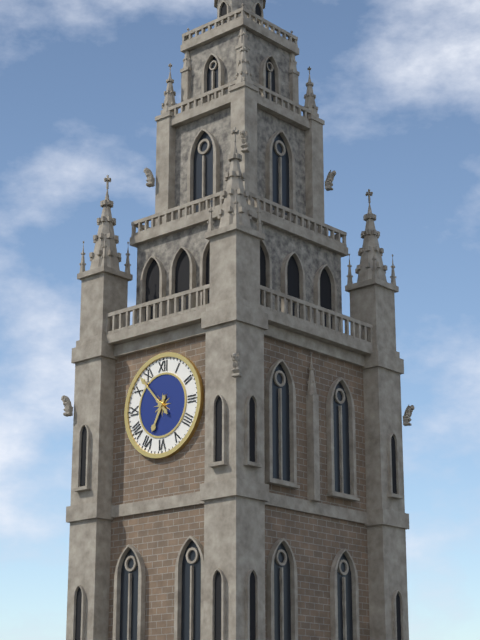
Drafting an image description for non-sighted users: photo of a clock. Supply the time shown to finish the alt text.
6:53
